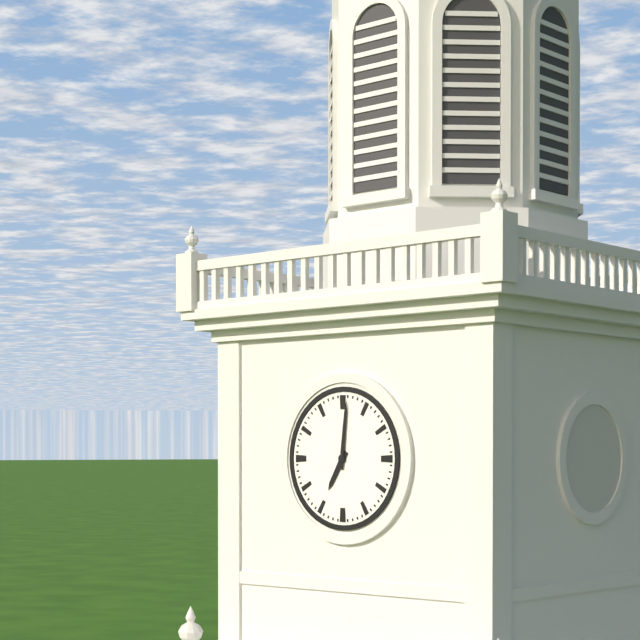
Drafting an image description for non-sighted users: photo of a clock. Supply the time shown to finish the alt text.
7:01
